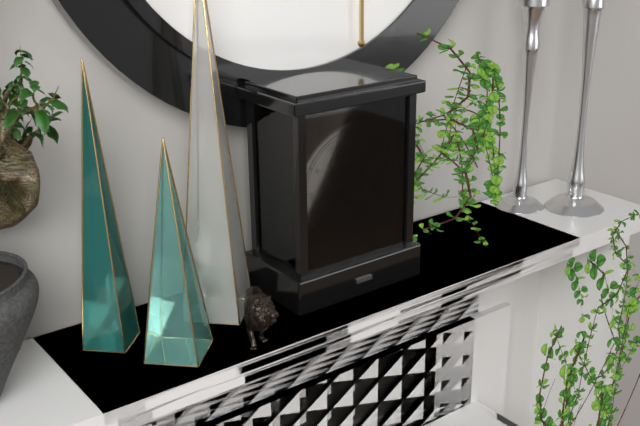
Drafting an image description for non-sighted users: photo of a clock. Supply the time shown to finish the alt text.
2:35
